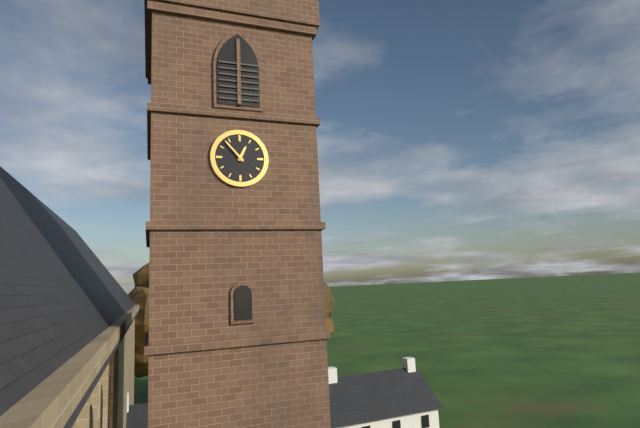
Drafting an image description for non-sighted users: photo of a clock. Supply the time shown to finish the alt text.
12:53
